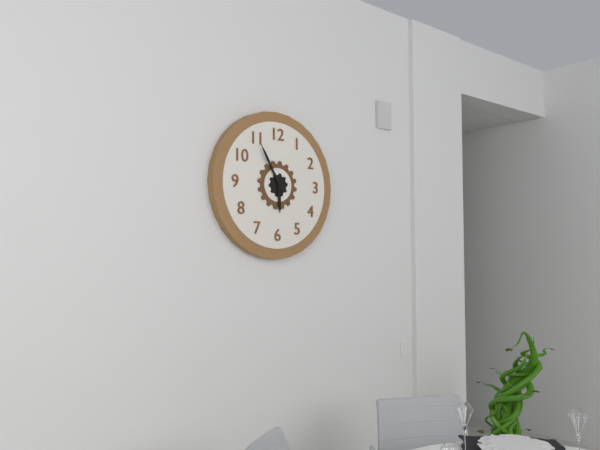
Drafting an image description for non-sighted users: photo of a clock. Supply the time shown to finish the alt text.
5:55
